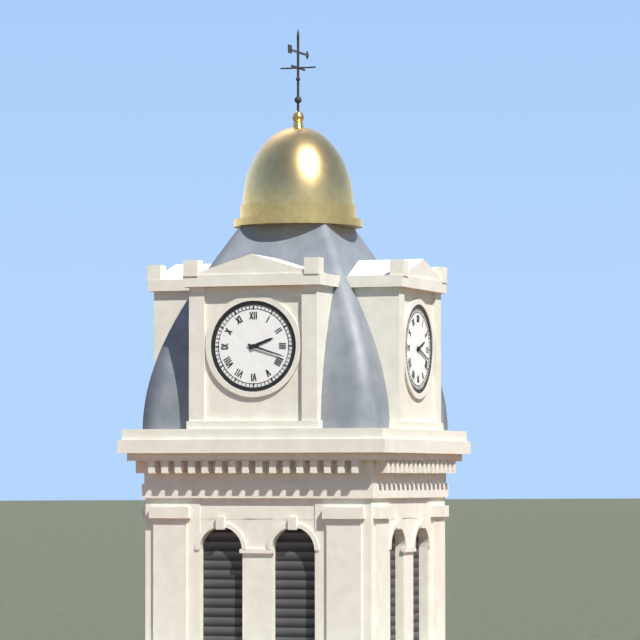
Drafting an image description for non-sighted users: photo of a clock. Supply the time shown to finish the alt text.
2:18
